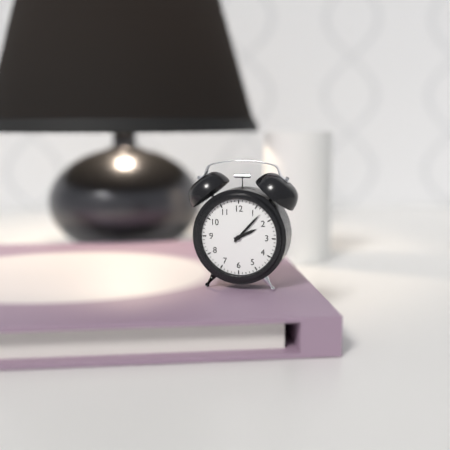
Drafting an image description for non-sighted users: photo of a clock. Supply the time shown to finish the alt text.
2:07
